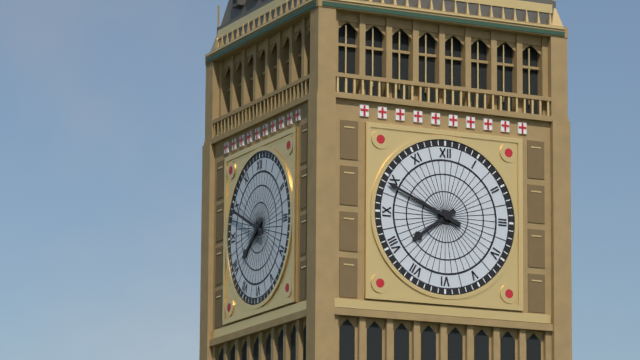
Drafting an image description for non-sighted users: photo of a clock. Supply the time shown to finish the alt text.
7:49
